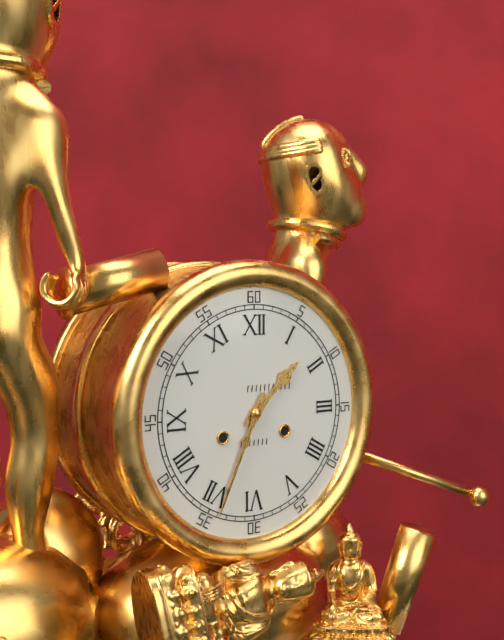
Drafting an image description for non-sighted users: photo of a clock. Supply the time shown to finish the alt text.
1:34
